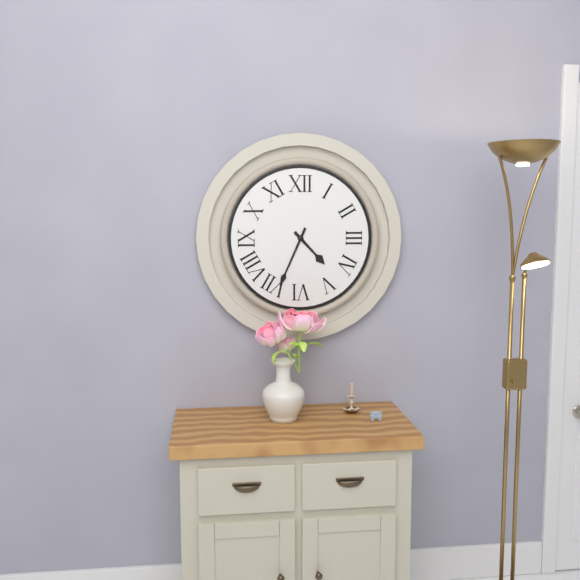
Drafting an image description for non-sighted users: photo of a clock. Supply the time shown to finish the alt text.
4:34
